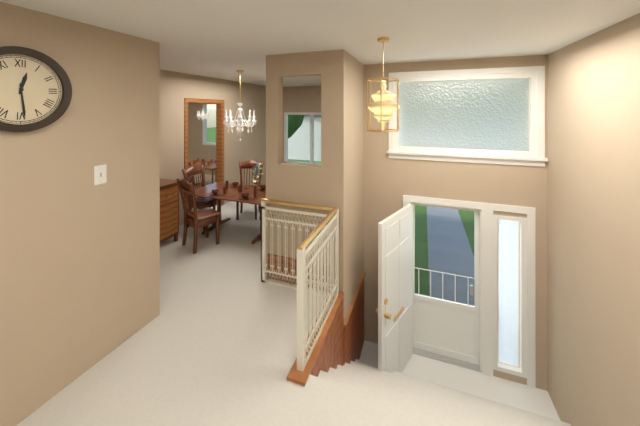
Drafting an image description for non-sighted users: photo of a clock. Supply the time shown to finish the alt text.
12:29
